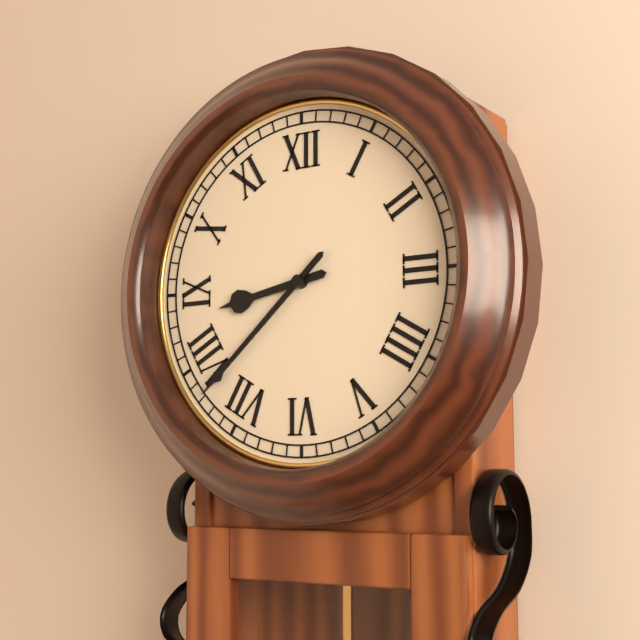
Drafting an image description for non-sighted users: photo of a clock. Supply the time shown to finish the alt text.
8:38
